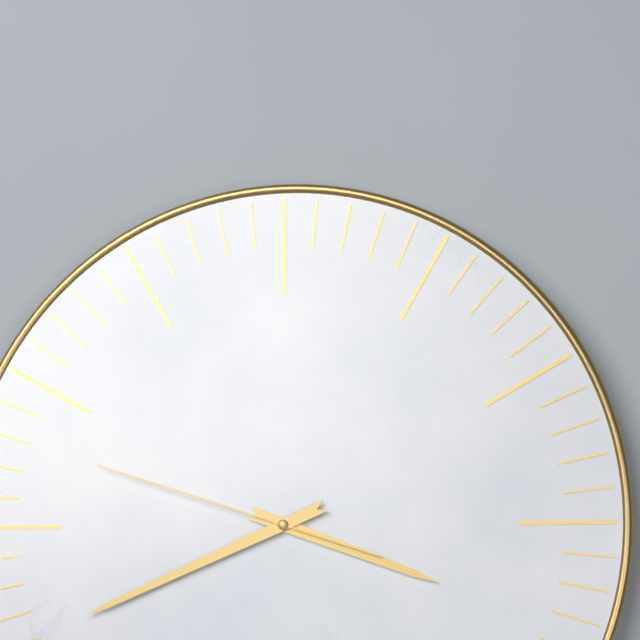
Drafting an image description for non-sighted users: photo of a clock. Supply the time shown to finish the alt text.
3:41:48
